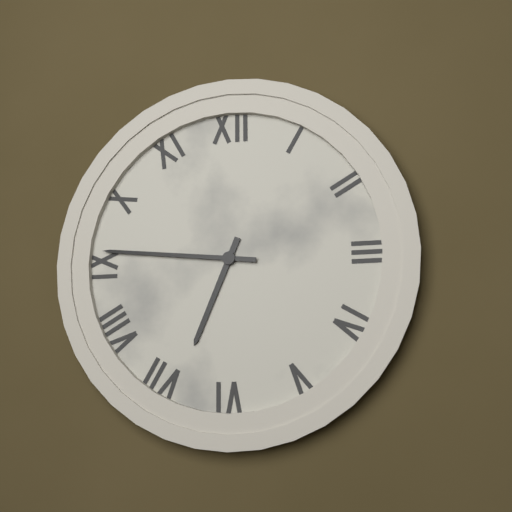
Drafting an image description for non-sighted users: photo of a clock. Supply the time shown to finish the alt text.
6:46
